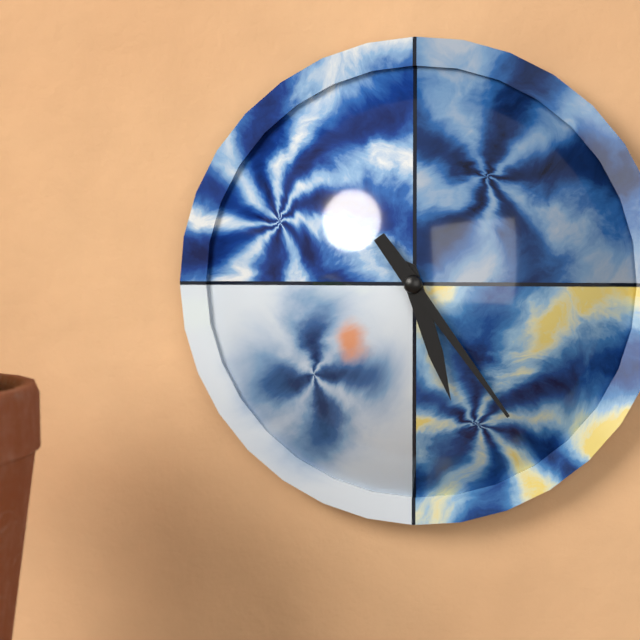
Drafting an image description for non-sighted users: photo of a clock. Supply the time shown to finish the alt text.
5:24
